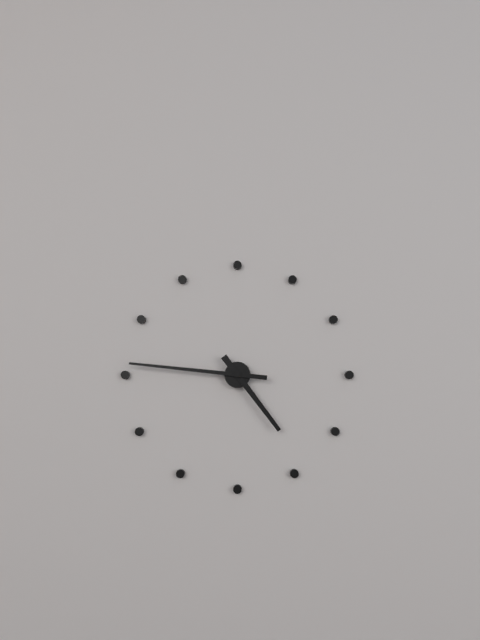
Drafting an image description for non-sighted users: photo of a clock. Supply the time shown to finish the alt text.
4:46
